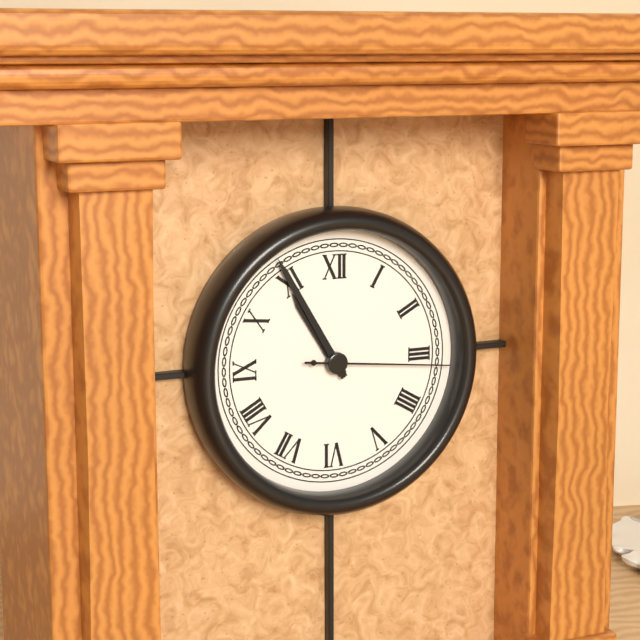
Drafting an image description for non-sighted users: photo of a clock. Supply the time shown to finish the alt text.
10:55:16
